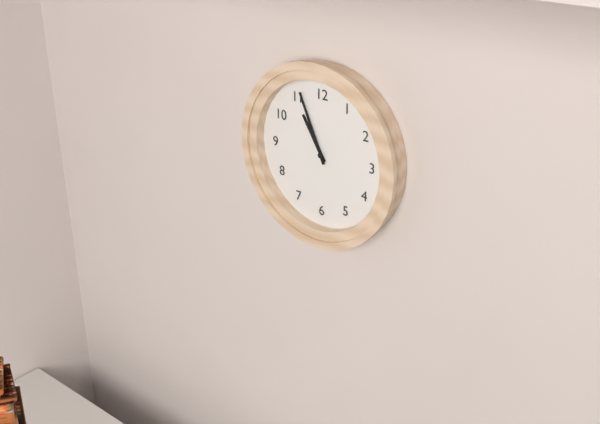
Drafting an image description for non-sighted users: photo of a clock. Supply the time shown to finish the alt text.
10:56
